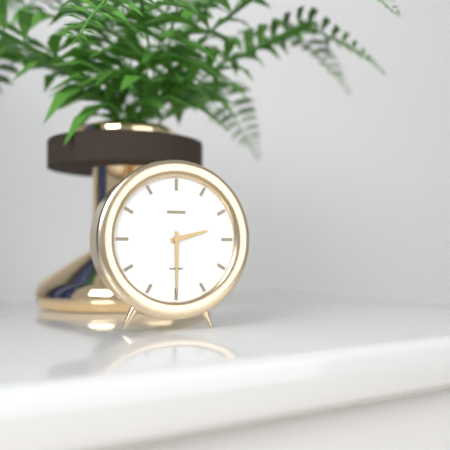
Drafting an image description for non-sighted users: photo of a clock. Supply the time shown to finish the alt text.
2:30
